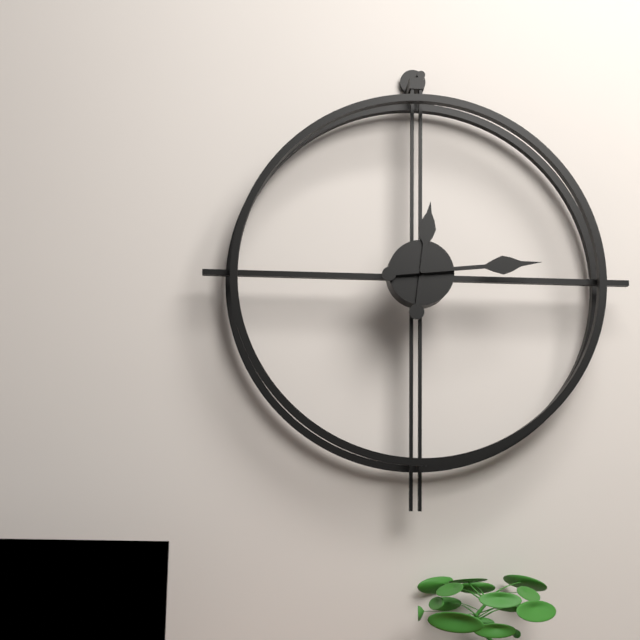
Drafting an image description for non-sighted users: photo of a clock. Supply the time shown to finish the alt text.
12:14
